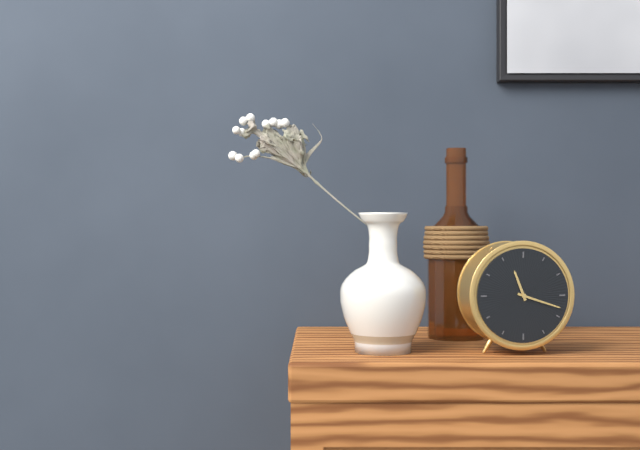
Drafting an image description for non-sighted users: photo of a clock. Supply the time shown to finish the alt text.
11:18
